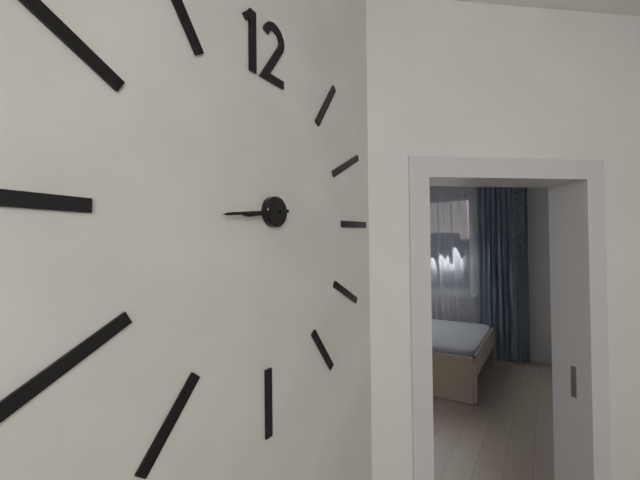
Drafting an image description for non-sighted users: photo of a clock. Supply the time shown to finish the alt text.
8:44
